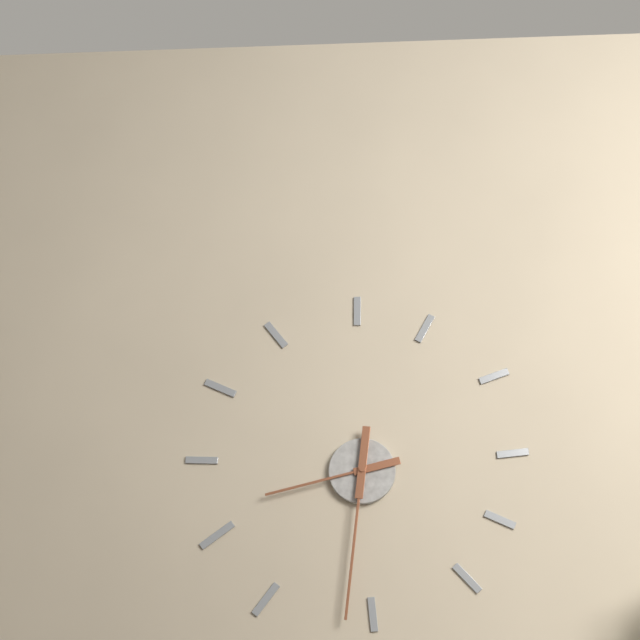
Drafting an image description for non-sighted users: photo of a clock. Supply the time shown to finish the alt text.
8:31
